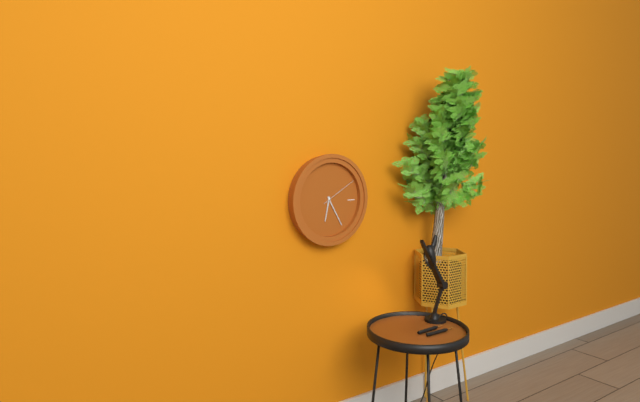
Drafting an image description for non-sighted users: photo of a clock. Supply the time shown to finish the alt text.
6:25
